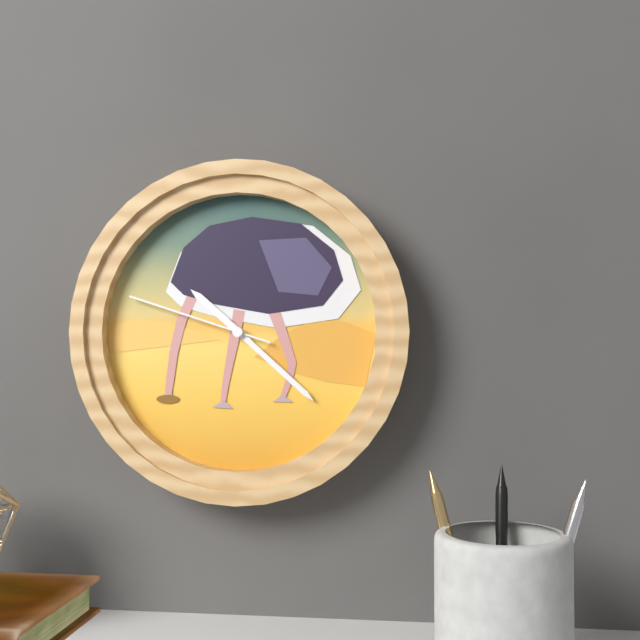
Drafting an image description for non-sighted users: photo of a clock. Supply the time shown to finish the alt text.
10:22:48
